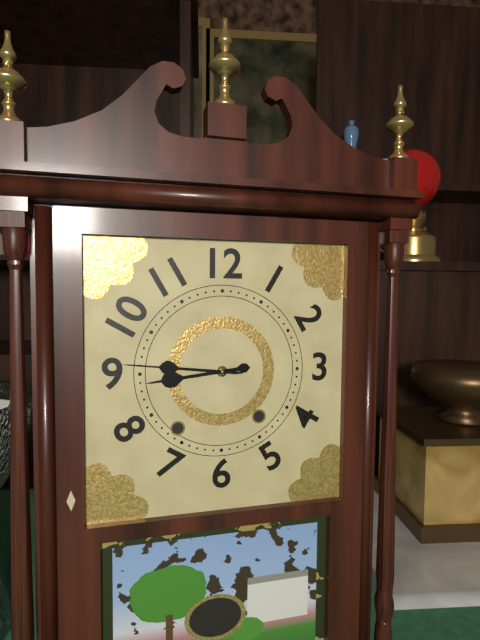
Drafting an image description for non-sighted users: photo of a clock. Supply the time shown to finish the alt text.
8:46
